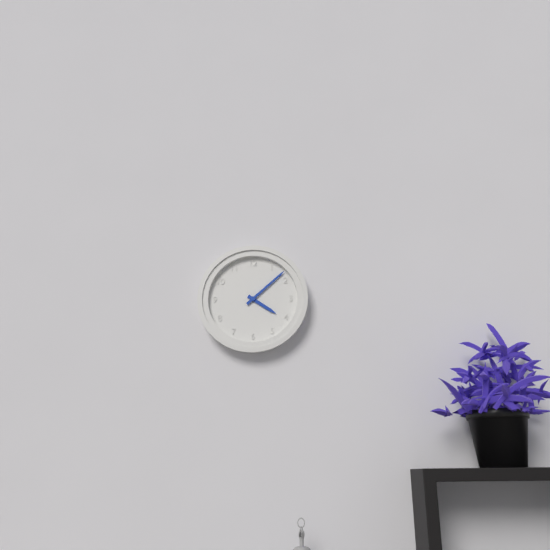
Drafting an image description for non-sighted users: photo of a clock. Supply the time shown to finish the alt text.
4:08
